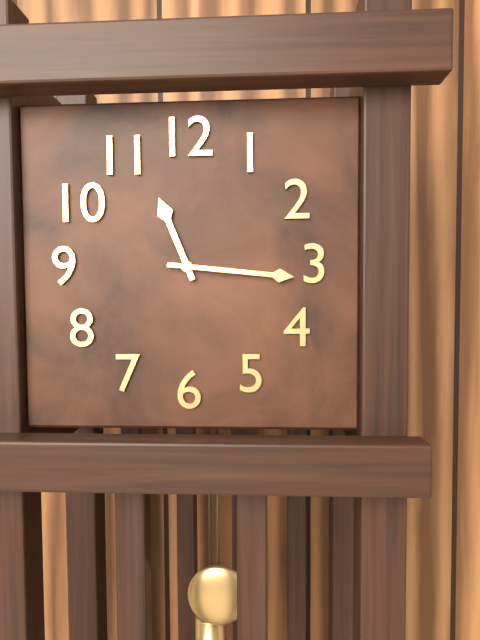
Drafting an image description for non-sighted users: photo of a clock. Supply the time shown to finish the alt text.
11:16
